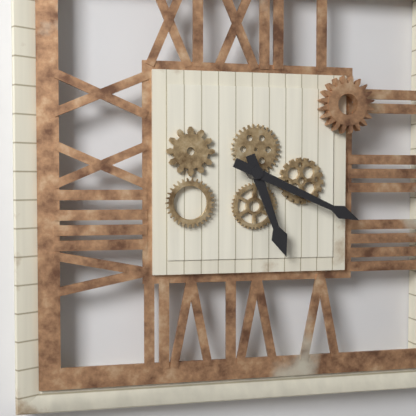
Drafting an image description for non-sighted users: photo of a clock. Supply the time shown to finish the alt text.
5:19
